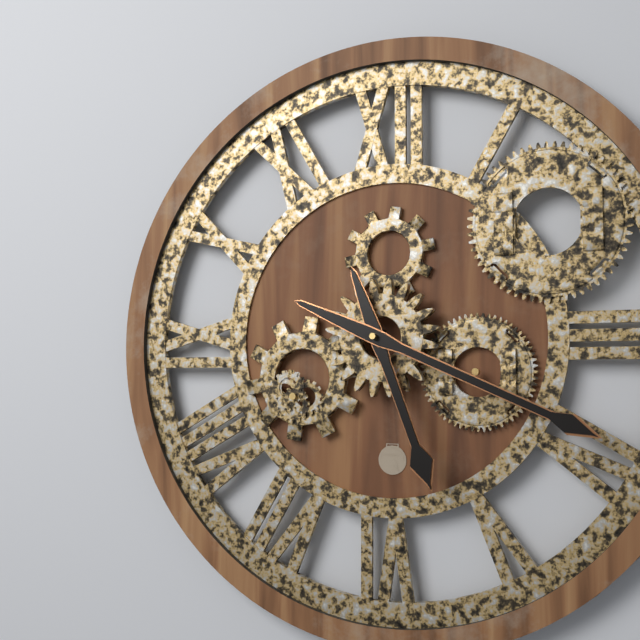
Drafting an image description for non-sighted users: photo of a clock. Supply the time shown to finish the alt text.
5:19
